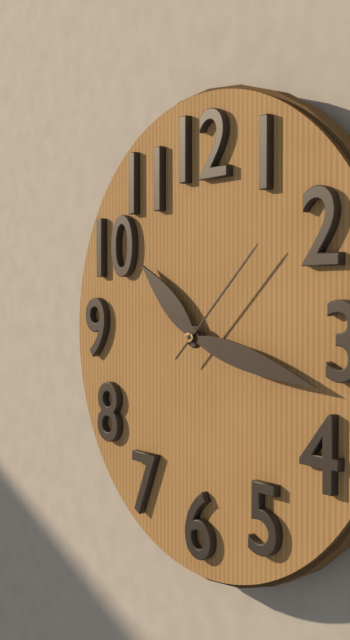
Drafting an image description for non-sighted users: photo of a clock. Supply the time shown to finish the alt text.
10:17:08
